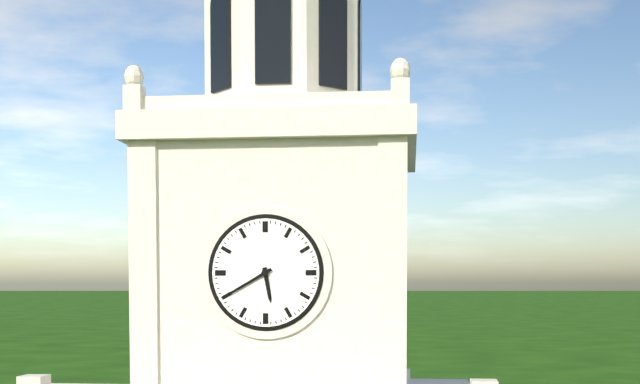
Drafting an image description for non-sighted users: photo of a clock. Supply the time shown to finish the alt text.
5:40
